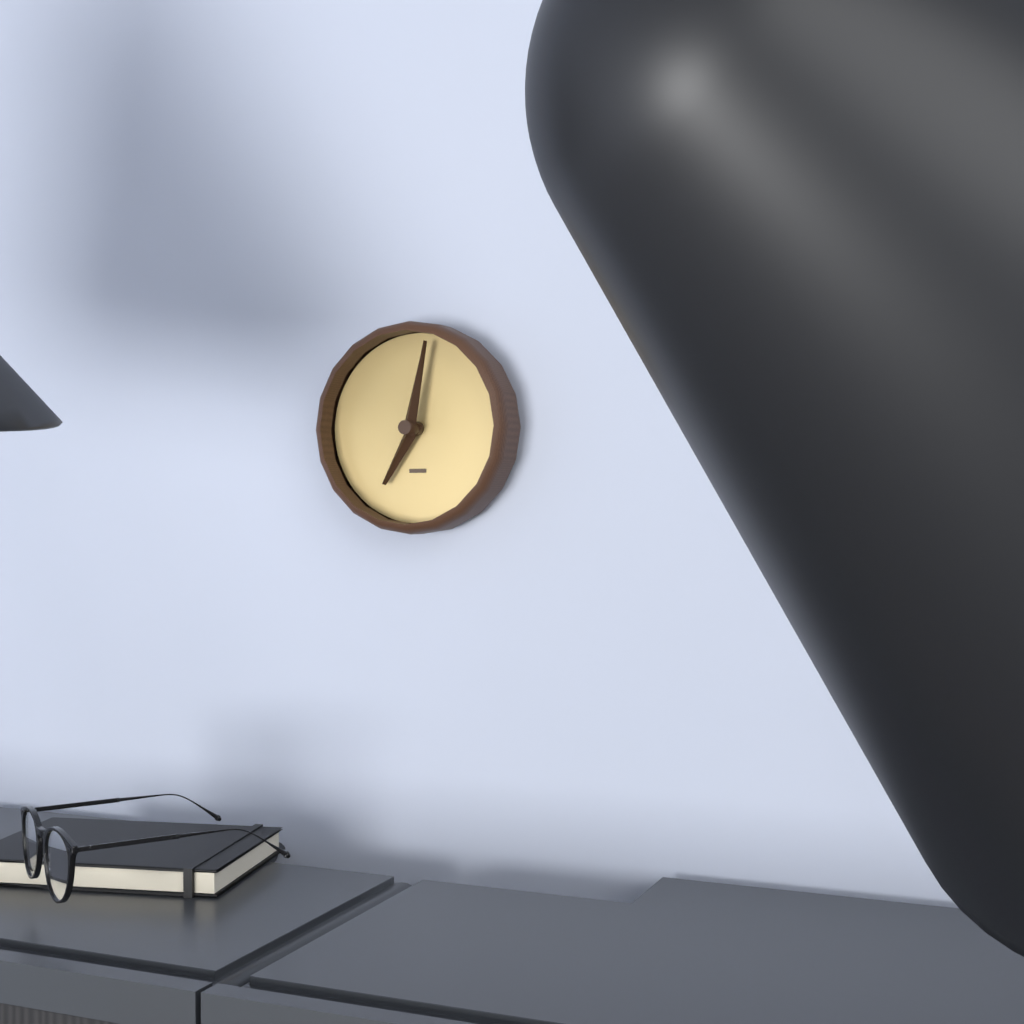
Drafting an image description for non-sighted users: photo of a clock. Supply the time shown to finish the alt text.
7:02
